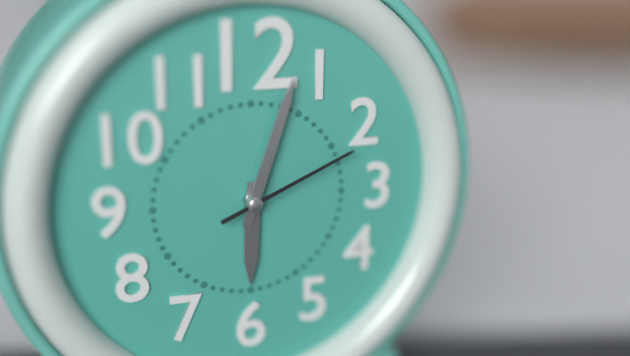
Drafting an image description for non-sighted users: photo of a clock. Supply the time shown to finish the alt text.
6:03:11
